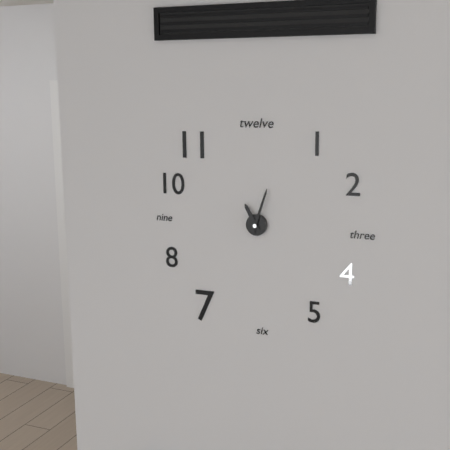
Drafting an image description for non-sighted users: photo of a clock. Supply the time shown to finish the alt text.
11:03
